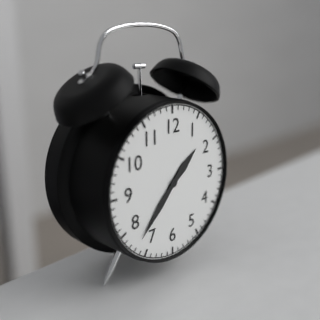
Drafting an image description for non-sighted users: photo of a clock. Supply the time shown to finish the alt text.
1:37
